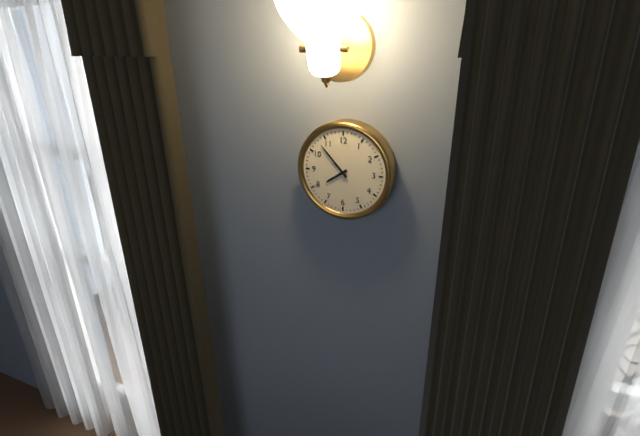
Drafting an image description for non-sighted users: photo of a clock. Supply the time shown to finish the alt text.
7:53
